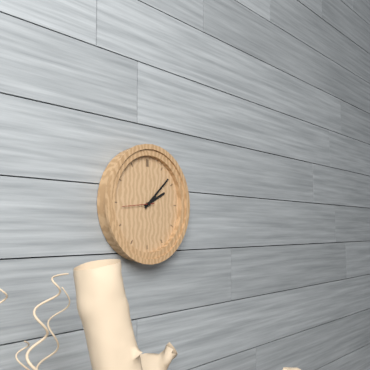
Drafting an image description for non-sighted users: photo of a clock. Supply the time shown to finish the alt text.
2:08
